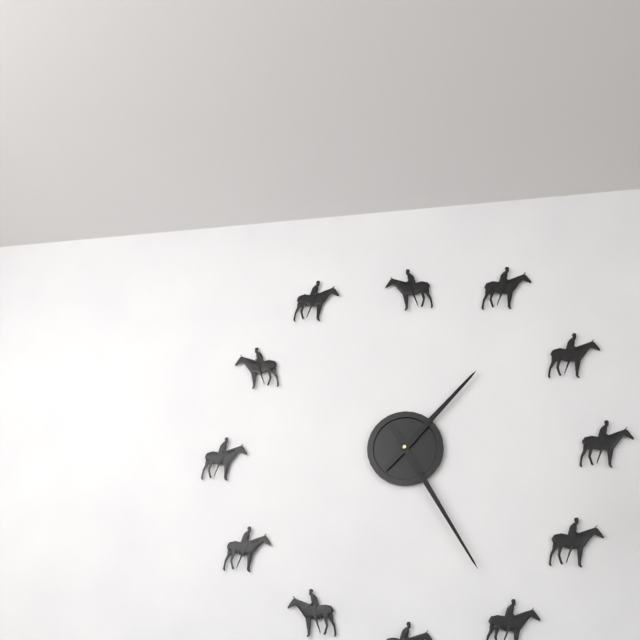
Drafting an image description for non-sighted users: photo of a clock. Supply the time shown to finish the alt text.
1:25
